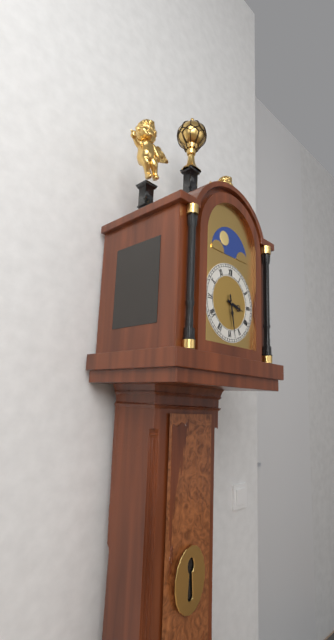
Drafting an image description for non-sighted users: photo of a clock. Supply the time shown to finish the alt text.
3:28
